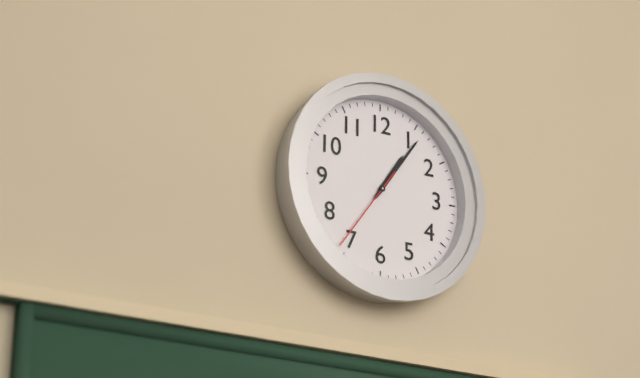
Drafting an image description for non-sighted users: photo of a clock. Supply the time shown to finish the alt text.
1:06:36
